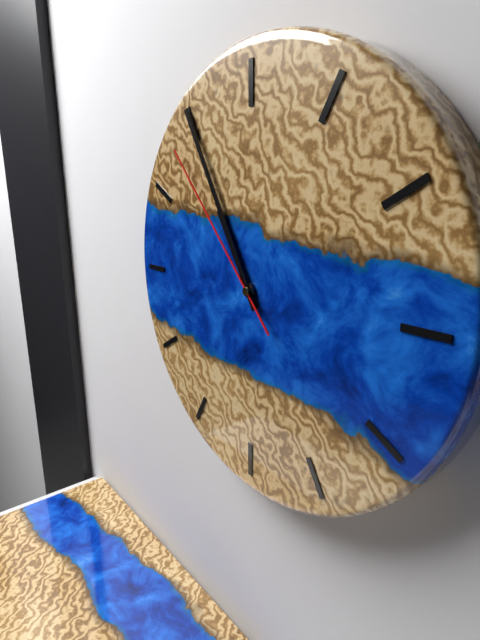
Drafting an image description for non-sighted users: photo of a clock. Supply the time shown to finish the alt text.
10:55:53
